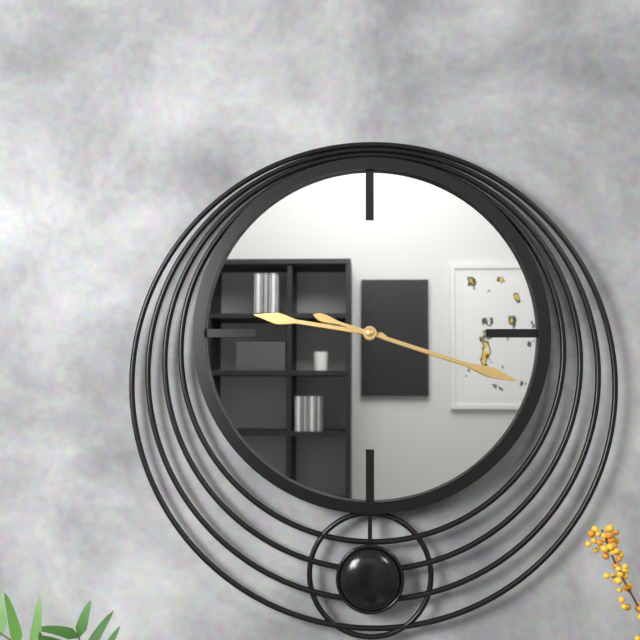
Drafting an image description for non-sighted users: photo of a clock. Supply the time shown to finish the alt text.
9:18
